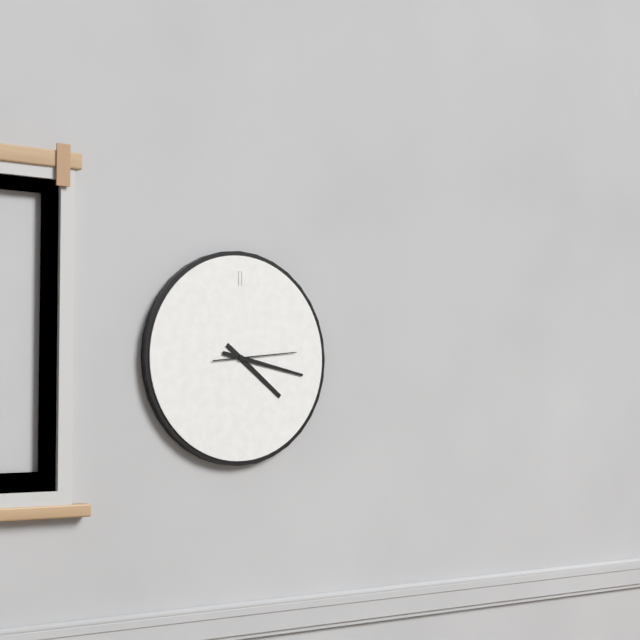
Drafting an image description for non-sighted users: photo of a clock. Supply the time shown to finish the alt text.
4:17:14
